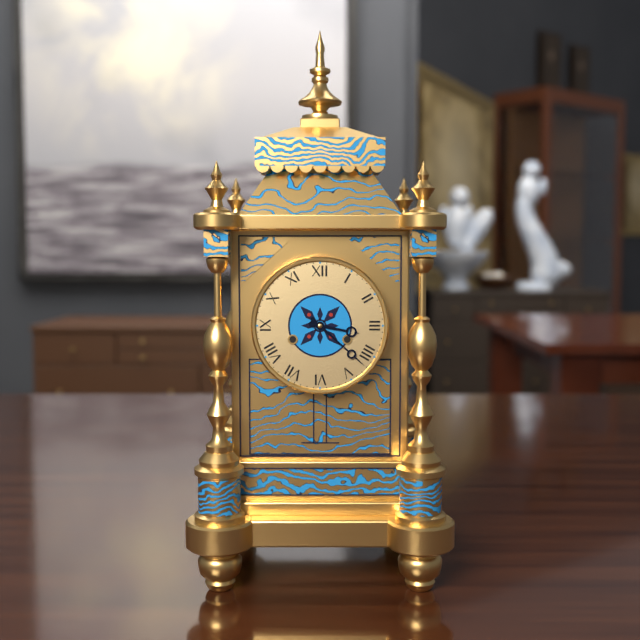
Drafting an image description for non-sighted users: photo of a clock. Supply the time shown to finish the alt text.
3:22
